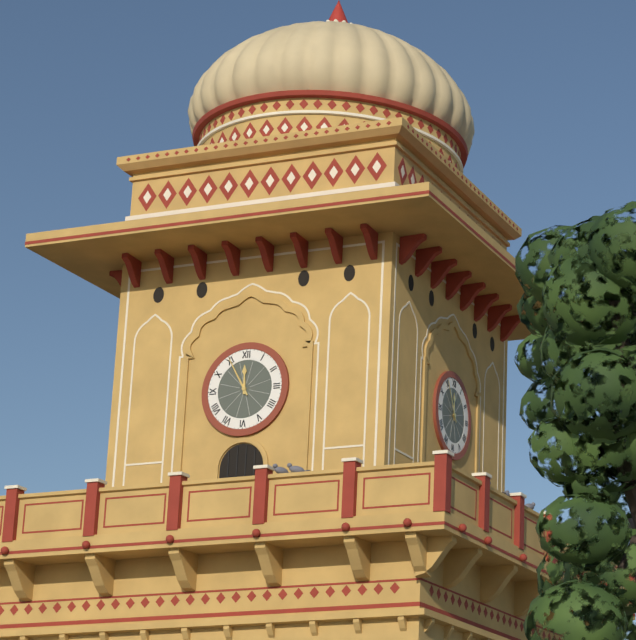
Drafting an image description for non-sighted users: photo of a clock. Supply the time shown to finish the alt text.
11:55
